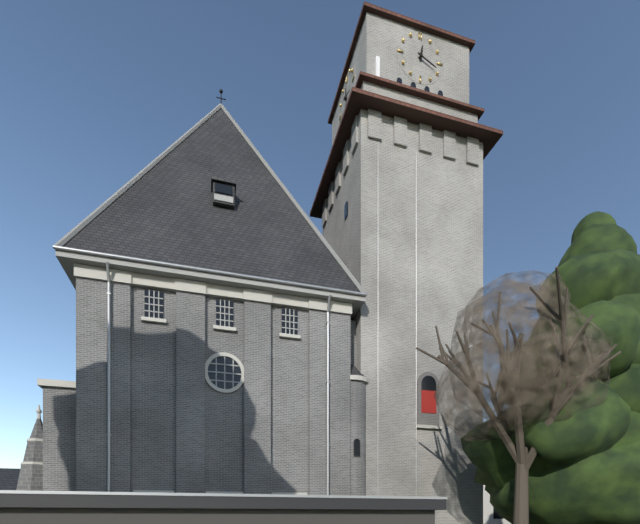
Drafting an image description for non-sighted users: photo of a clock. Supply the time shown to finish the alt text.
12:19
